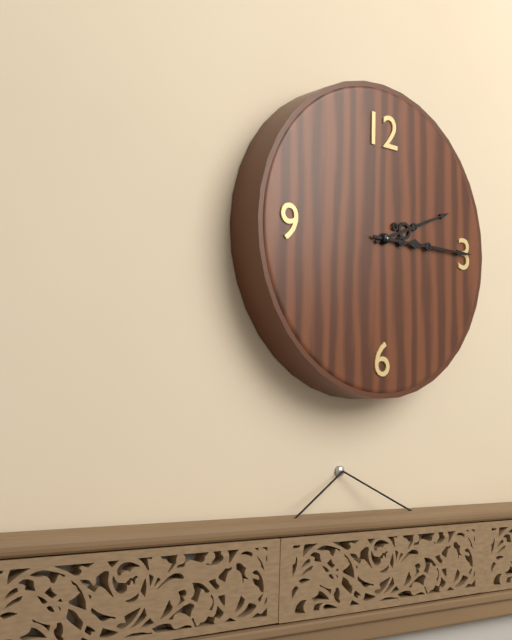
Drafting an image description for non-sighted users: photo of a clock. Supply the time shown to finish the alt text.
2:15
